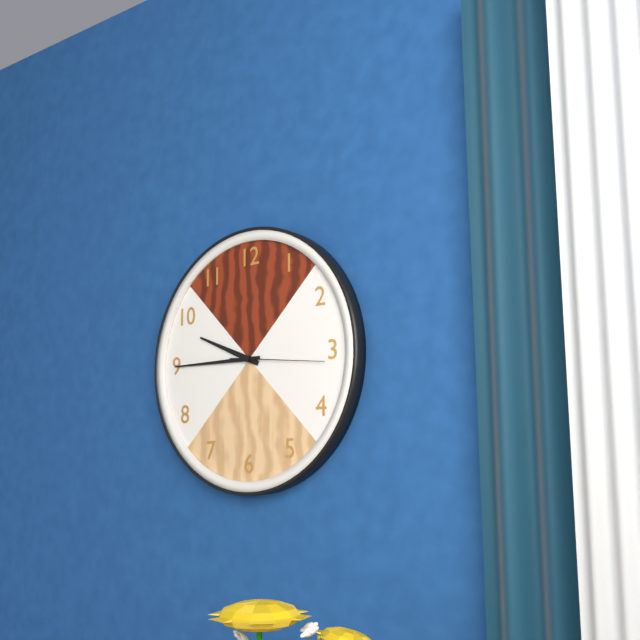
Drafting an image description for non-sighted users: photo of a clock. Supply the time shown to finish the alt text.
9:45:16
